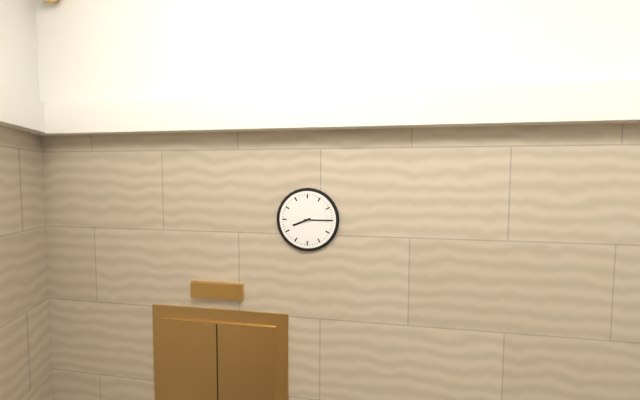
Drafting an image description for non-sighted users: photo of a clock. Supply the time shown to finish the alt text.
8:15
